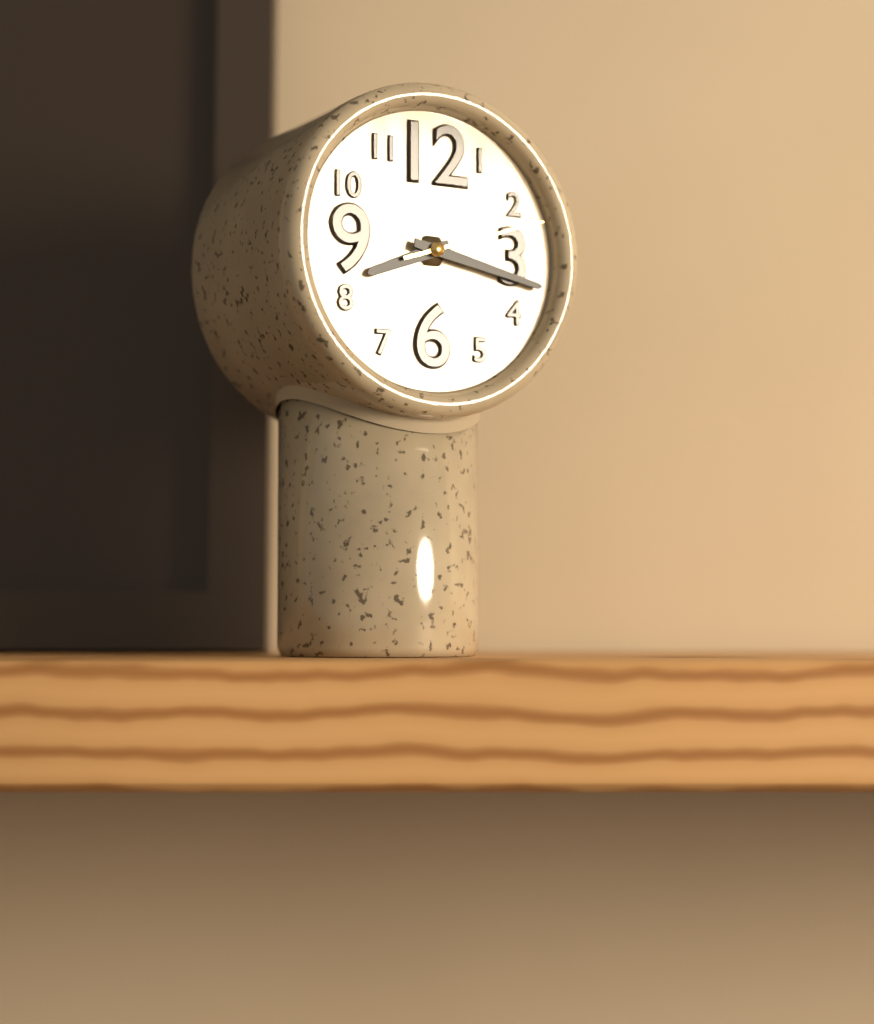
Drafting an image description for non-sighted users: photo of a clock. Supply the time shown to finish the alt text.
8:17:12
